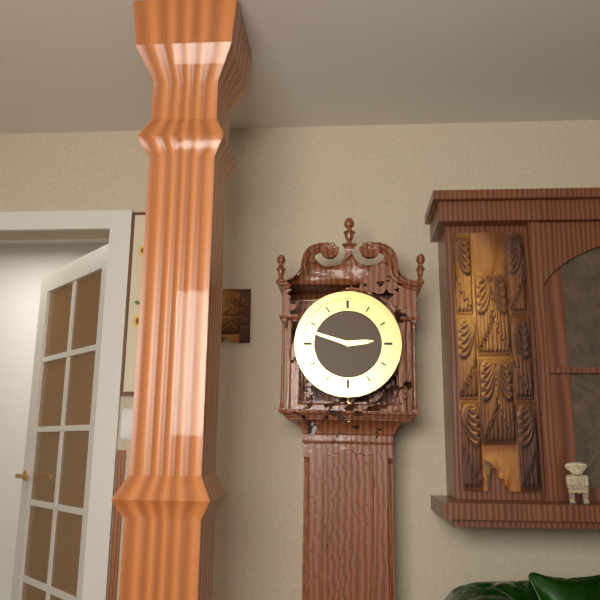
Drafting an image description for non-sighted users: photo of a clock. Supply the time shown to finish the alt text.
2:48
